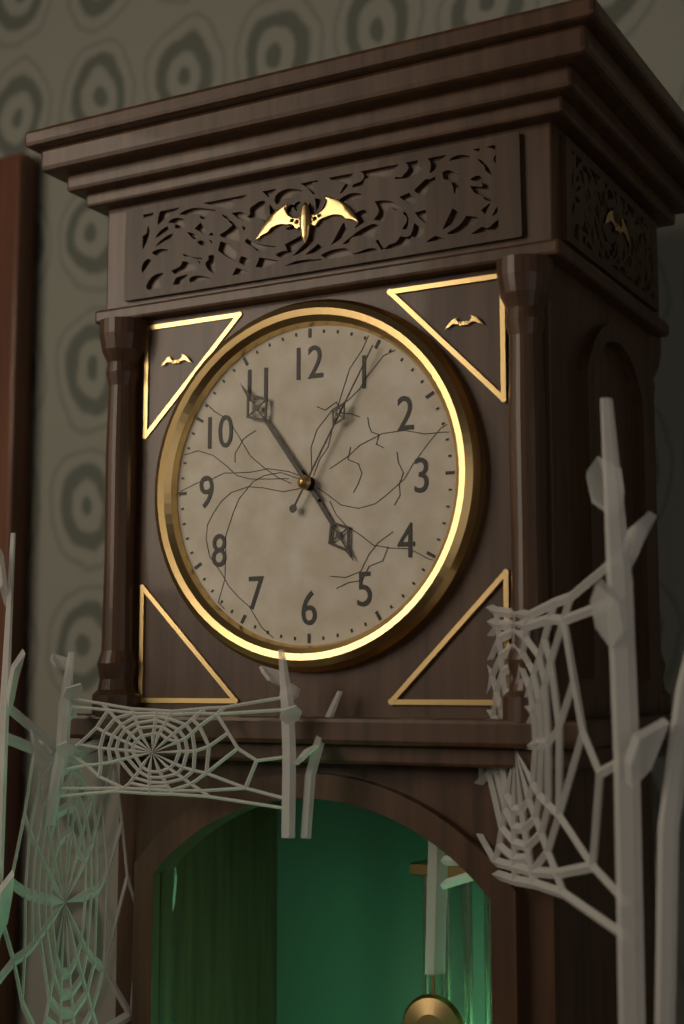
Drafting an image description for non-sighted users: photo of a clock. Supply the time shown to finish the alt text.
4:54:05
